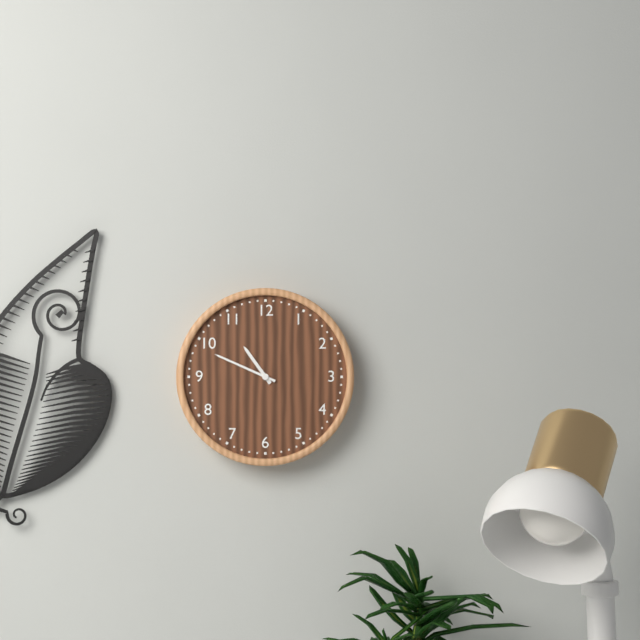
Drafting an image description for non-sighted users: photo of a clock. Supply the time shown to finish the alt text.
10:49
